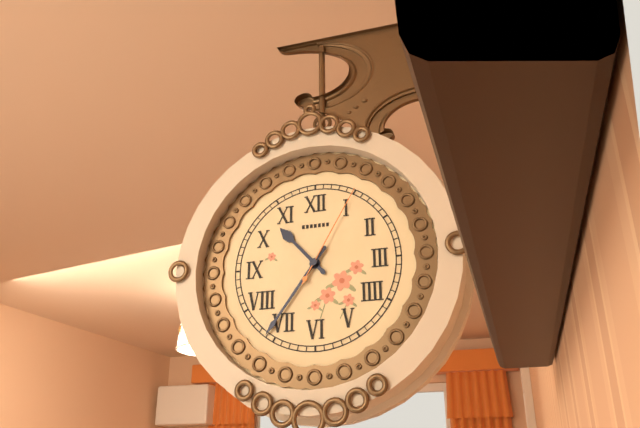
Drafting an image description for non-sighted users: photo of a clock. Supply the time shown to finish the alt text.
10:36:05
